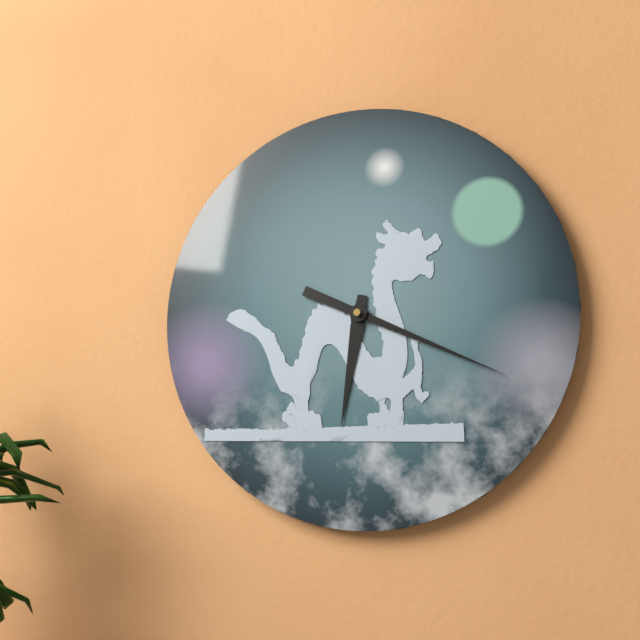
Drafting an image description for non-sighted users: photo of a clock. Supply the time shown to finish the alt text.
6:19
